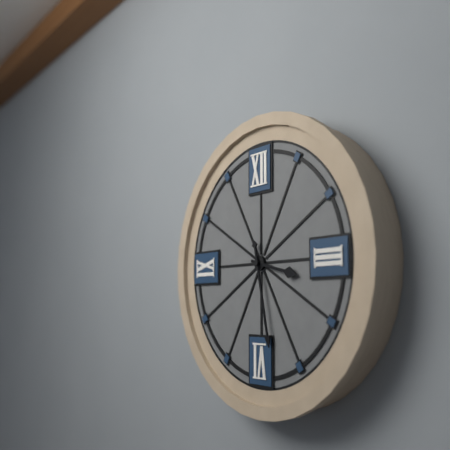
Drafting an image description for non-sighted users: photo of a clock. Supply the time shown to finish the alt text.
3:28
